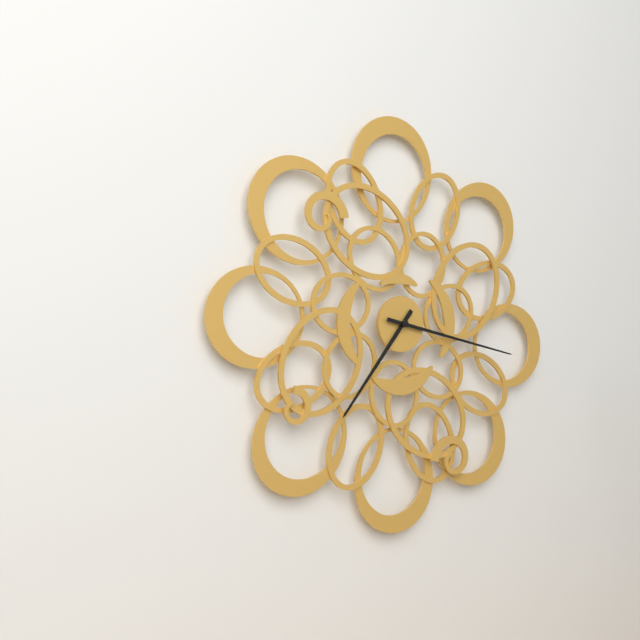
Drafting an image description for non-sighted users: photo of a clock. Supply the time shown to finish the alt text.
7:17
